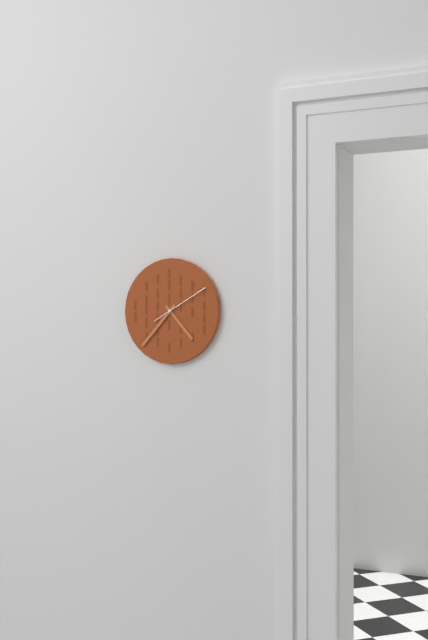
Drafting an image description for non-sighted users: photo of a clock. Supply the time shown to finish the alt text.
4:37:10
